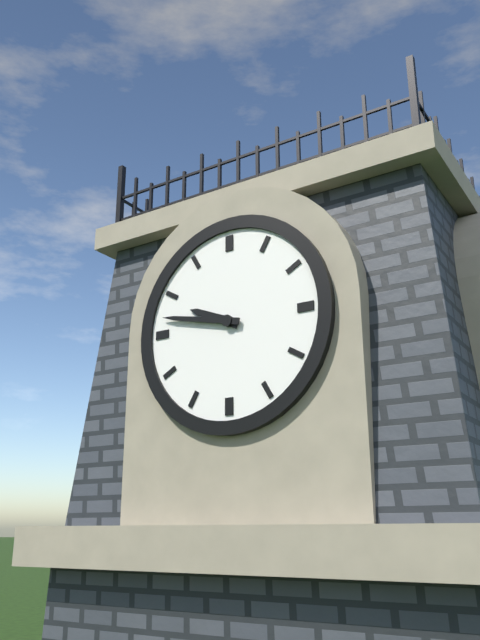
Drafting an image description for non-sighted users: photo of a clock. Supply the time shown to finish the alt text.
9:47
